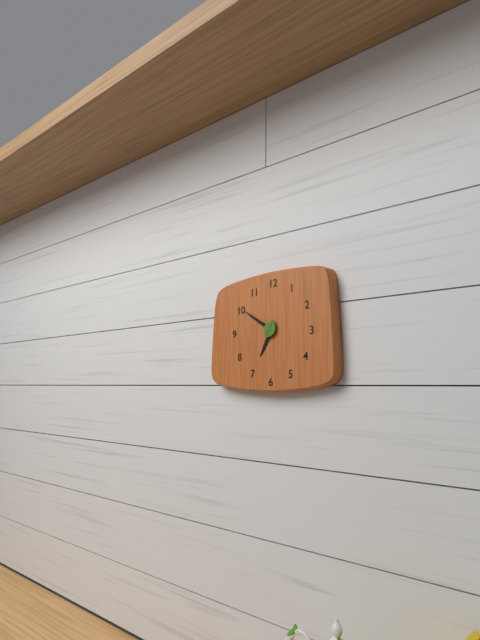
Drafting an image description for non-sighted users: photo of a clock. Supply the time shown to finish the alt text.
6:50
